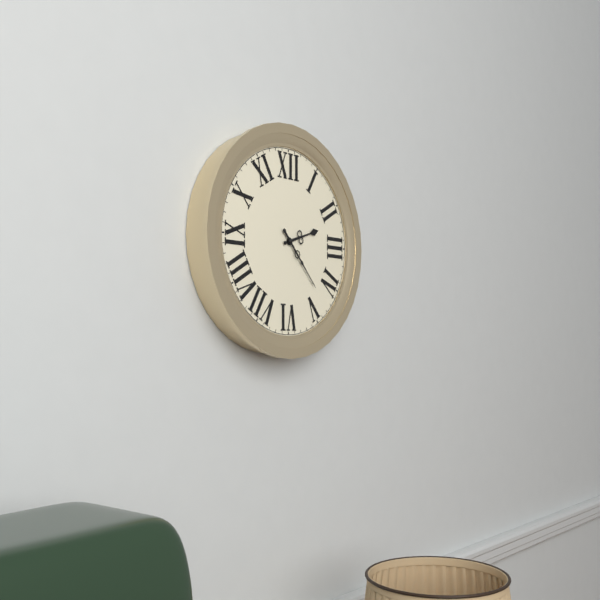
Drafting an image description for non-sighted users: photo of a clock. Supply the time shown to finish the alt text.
2:23
